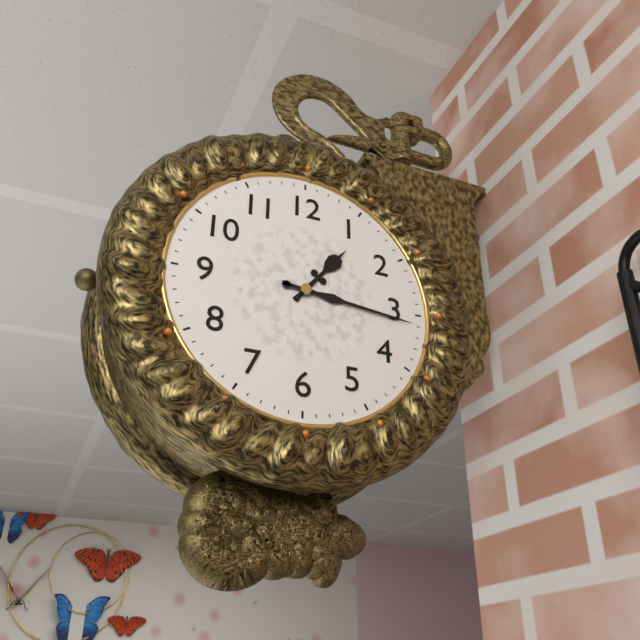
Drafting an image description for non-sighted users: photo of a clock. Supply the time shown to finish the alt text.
1:16
